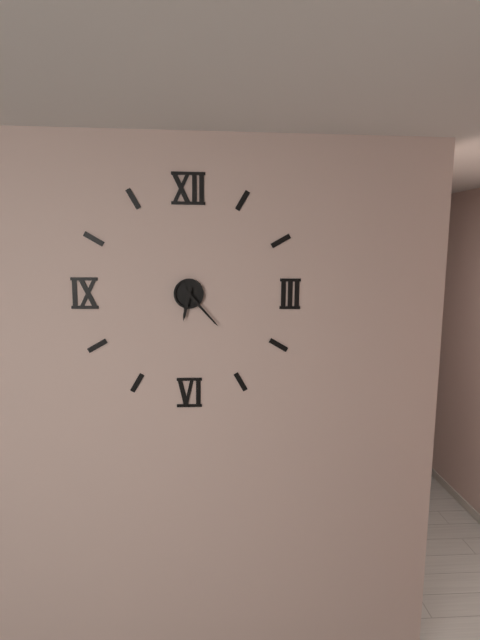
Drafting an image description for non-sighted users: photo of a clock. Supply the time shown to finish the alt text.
6:23
